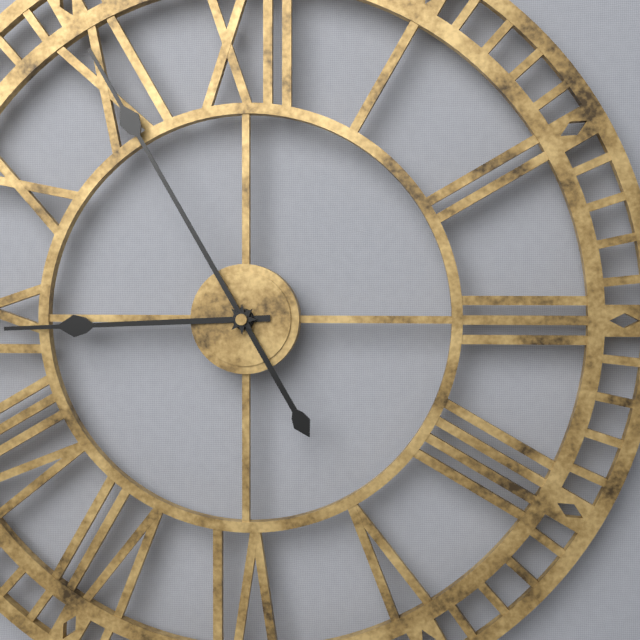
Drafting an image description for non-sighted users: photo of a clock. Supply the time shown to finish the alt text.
8:55
